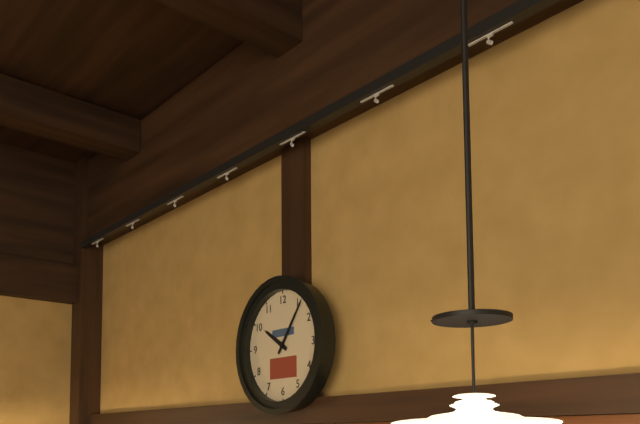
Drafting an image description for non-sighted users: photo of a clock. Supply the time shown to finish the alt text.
10:06
